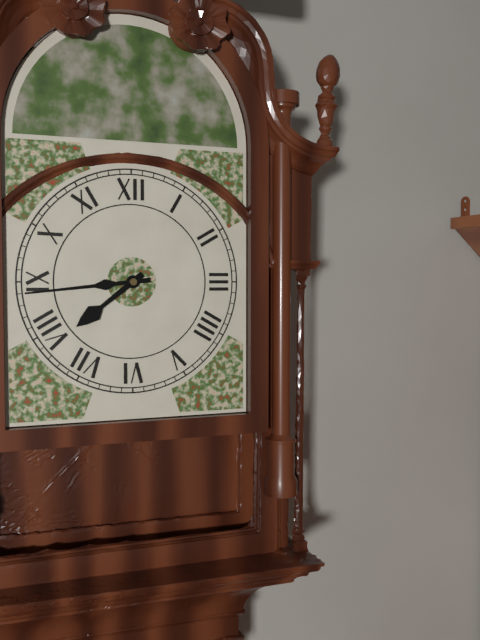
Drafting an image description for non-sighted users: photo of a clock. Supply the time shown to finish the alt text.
7:44
